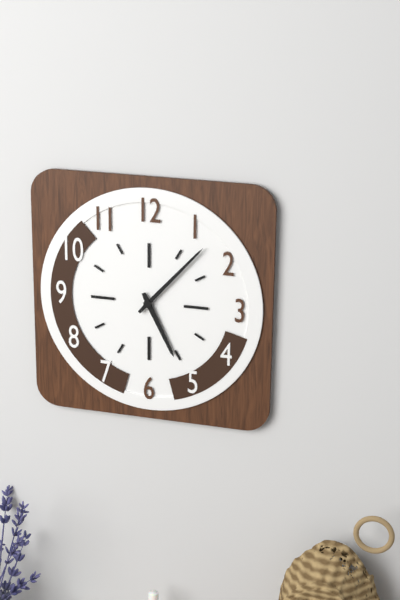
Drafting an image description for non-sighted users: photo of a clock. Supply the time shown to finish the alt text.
5:07
